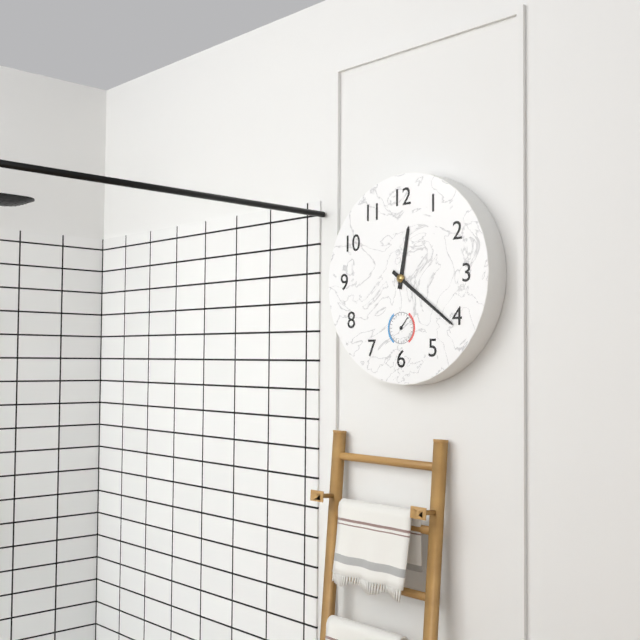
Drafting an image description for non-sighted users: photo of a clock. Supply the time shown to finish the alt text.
12:21
